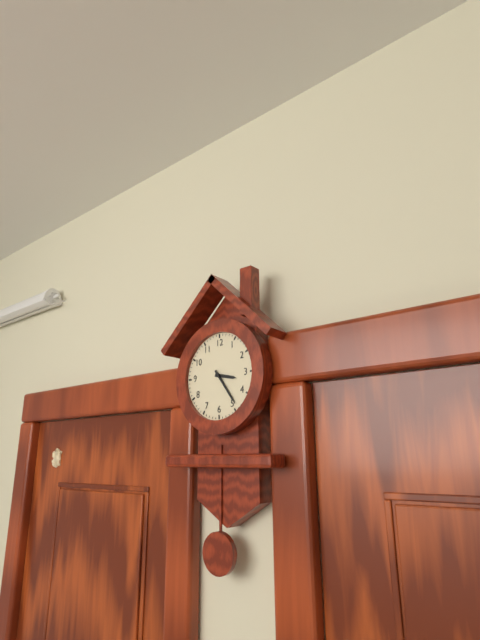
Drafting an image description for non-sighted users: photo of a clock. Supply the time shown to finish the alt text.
3:24
